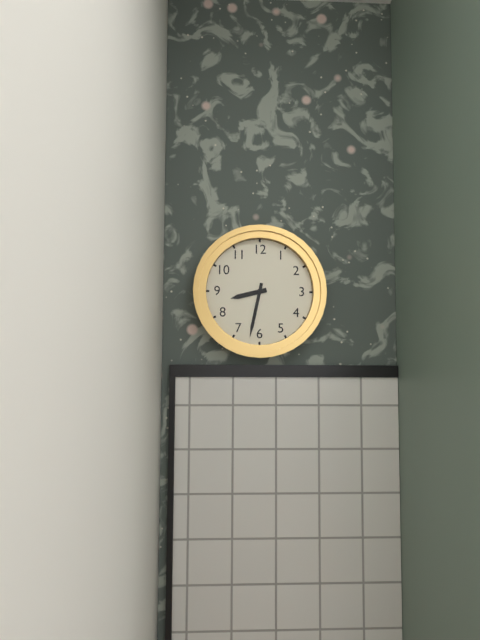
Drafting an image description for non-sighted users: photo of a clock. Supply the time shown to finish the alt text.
8:32
